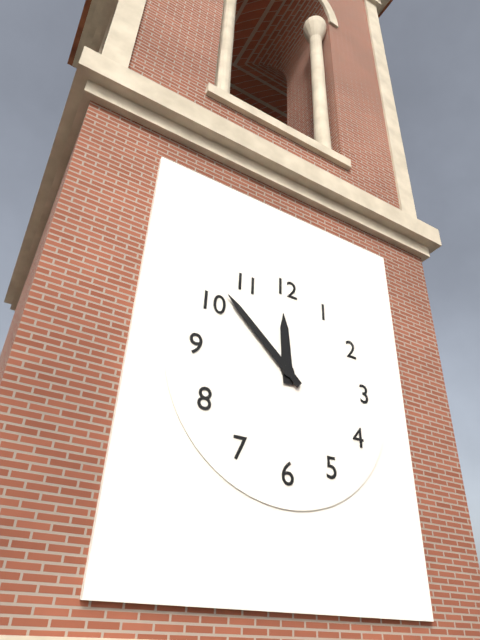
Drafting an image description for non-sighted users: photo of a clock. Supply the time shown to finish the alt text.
11:52
